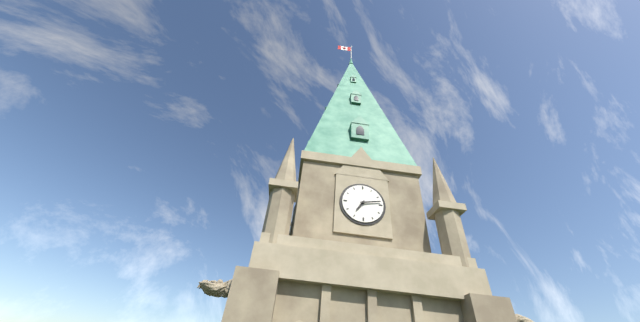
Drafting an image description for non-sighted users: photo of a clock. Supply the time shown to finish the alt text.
7:13
